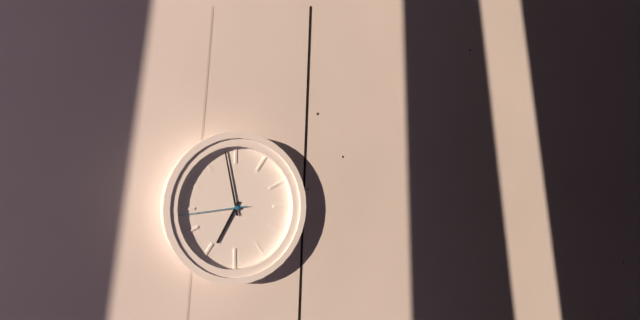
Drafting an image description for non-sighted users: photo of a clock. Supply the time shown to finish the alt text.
6:58:44
